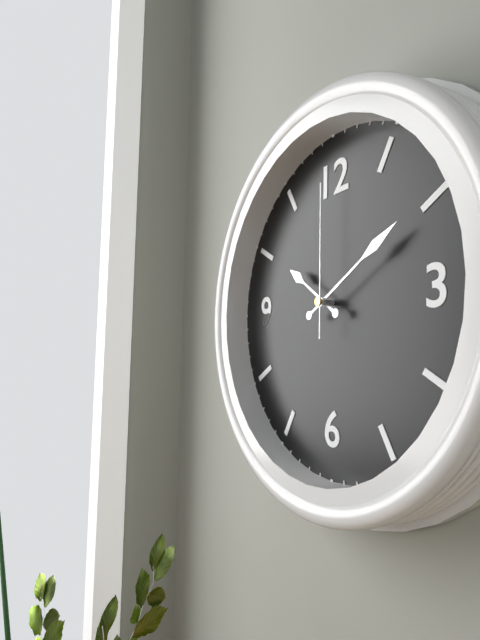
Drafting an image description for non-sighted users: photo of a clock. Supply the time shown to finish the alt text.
10:10:00
